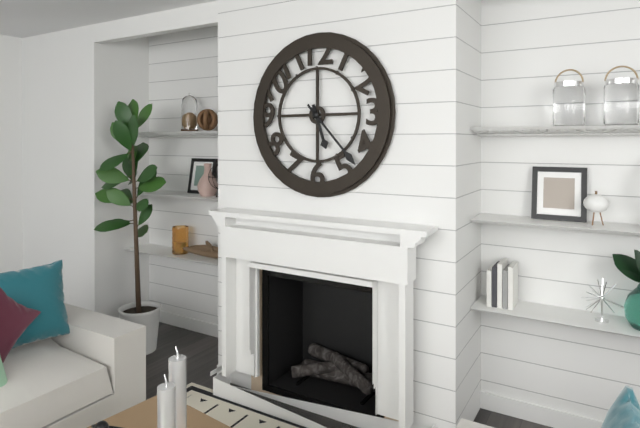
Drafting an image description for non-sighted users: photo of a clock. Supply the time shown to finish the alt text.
5:23
